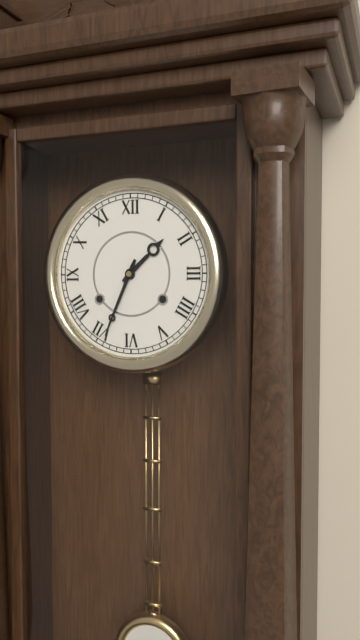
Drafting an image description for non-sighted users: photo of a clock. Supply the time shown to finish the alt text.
1:34
